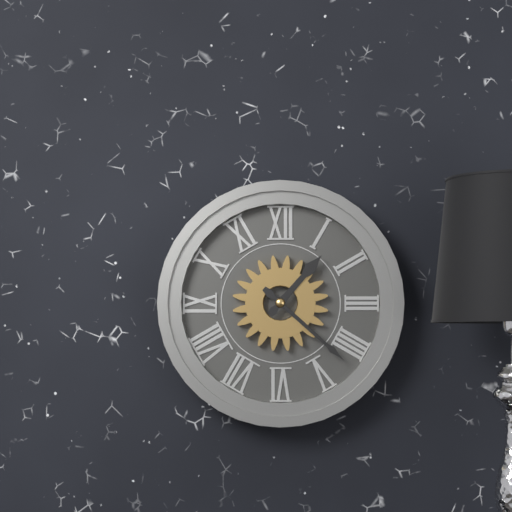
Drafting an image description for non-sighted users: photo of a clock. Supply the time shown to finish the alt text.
1:22
